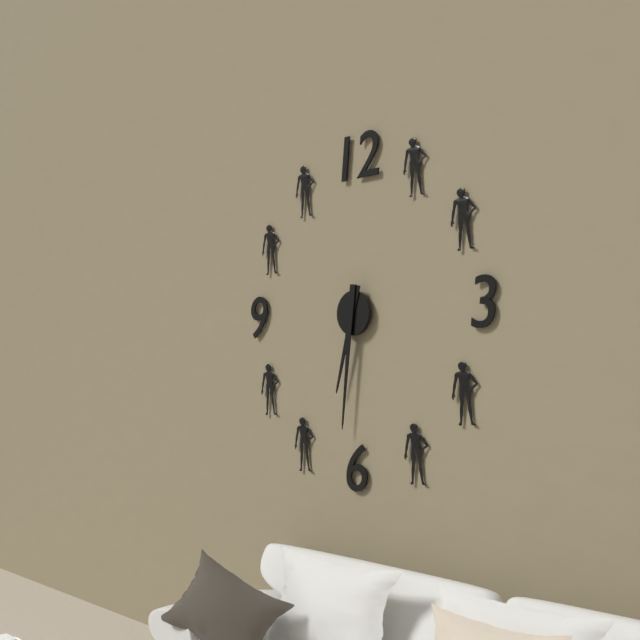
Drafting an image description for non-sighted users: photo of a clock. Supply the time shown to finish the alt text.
6:31
